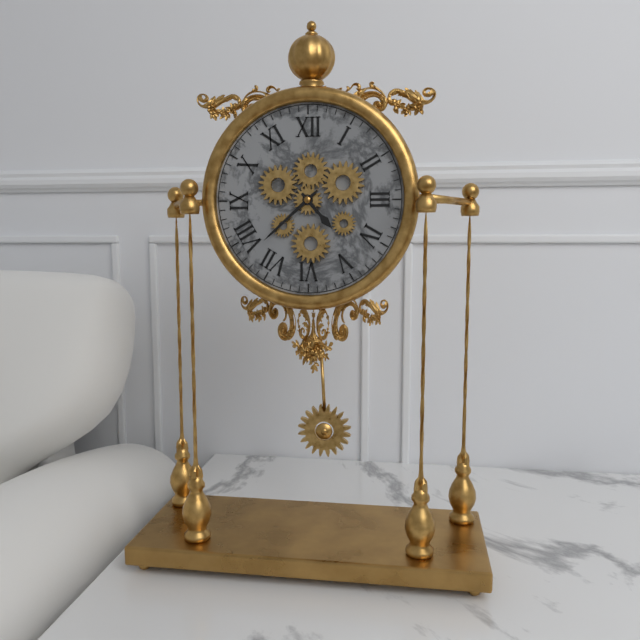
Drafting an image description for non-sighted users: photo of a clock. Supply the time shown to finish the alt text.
4:38
